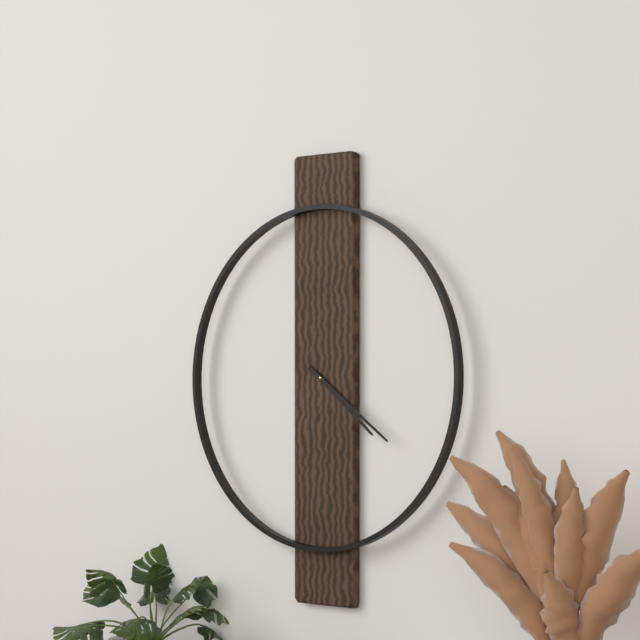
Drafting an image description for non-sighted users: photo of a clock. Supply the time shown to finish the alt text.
4:21
